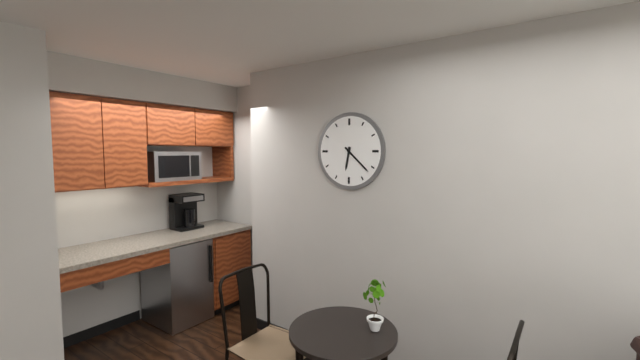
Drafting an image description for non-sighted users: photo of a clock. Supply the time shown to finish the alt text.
6:22
